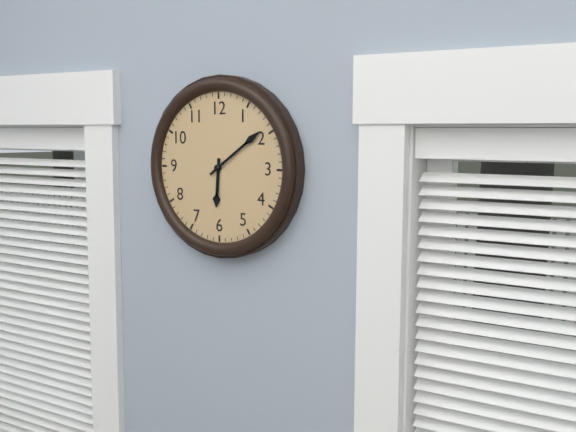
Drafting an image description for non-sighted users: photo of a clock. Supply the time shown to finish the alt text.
6:09
